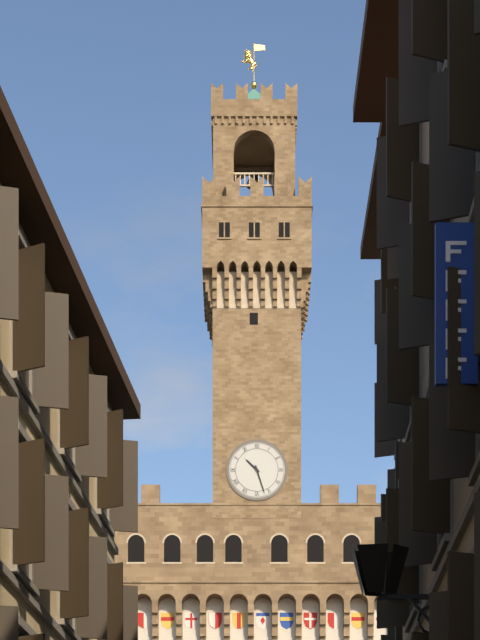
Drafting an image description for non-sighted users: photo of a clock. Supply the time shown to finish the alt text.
10:27
